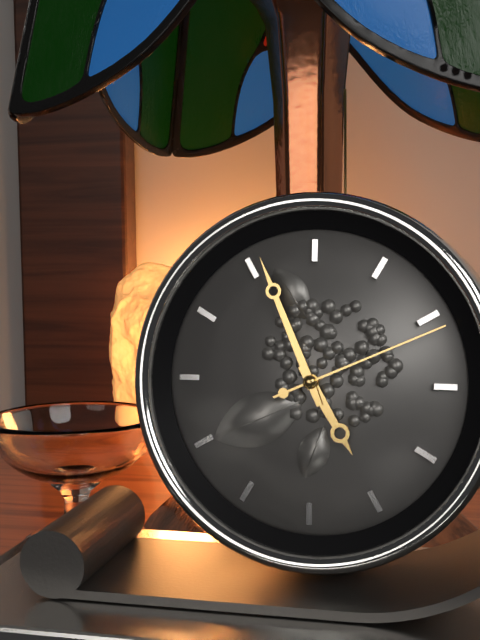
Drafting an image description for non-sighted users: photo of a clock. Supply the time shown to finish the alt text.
4:56:11
